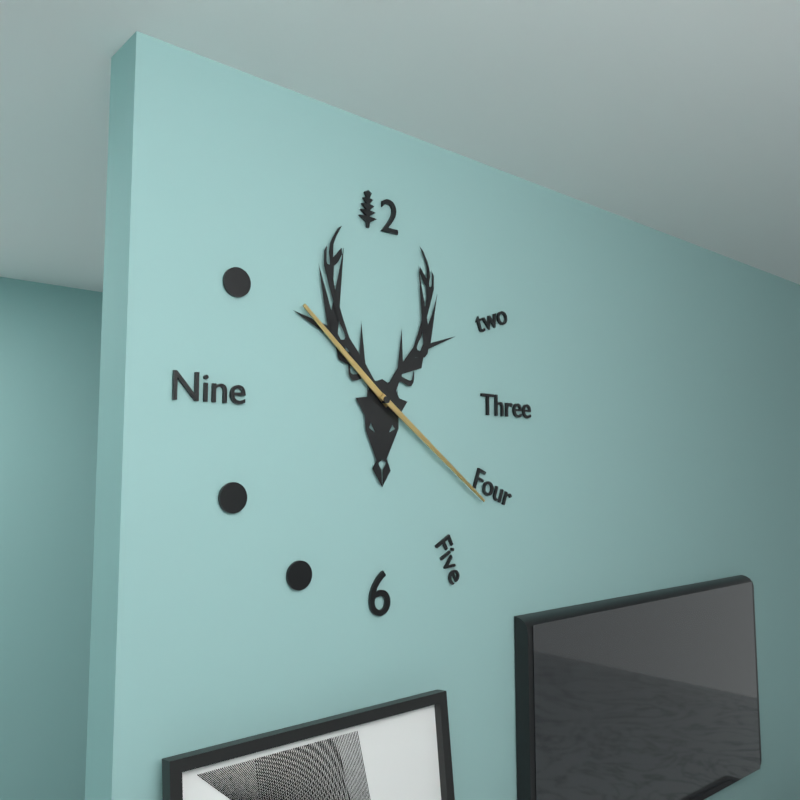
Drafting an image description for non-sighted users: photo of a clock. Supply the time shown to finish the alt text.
10:21
